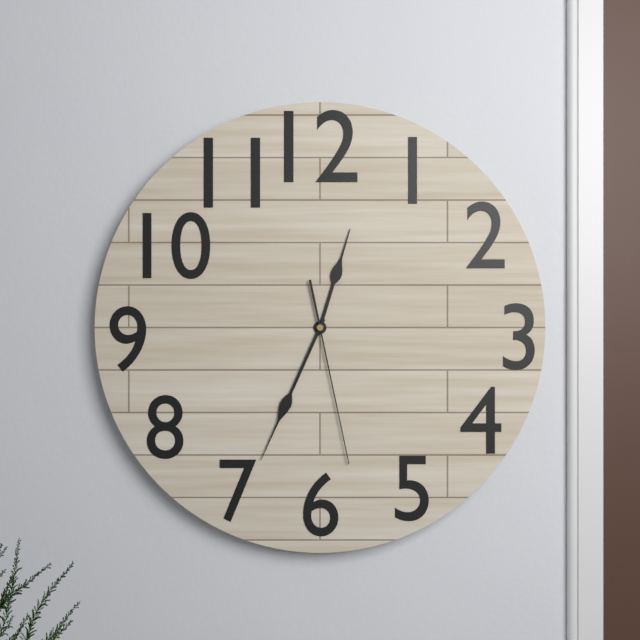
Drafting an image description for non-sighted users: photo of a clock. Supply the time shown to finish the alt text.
12:34:28
